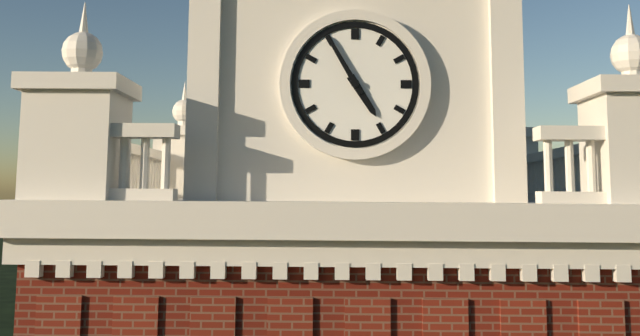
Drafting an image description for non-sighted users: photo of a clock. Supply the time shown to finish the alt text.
4:55
